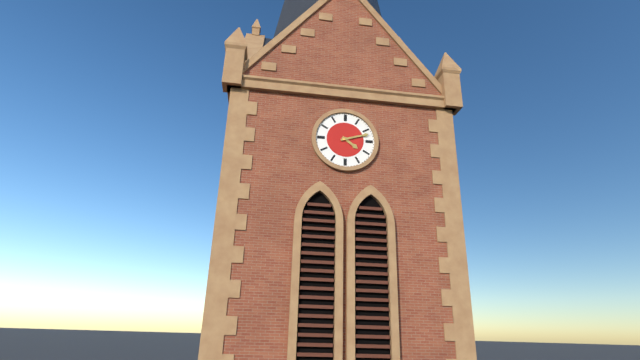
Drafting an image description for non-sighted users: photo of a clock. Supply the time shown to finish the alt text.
4:12
